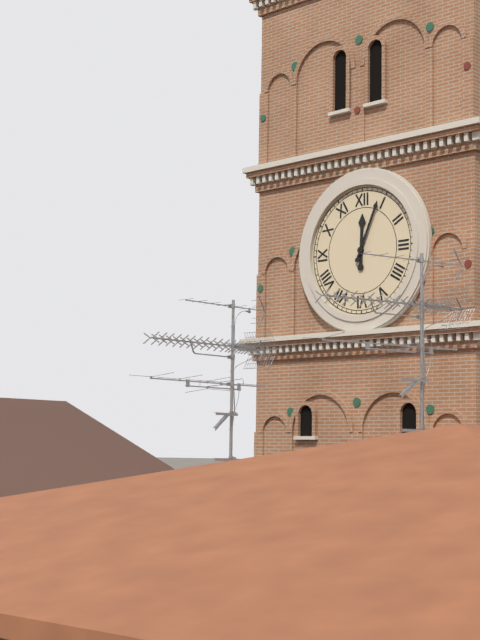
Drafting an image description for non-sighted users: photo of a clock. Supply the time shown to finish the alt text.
12:04
